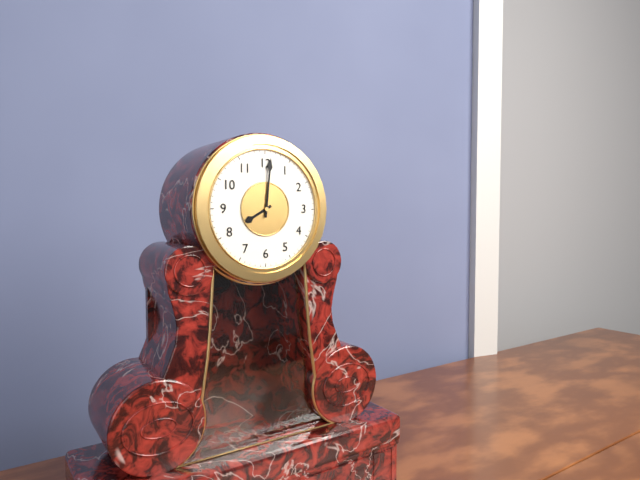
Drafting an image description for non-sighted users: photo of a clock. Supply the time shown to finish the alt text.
8:01
